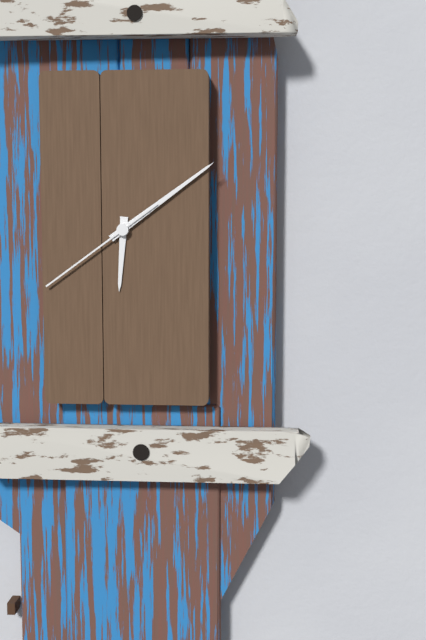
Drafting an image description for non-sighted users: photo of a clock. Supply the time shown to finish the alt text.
6:09:39
